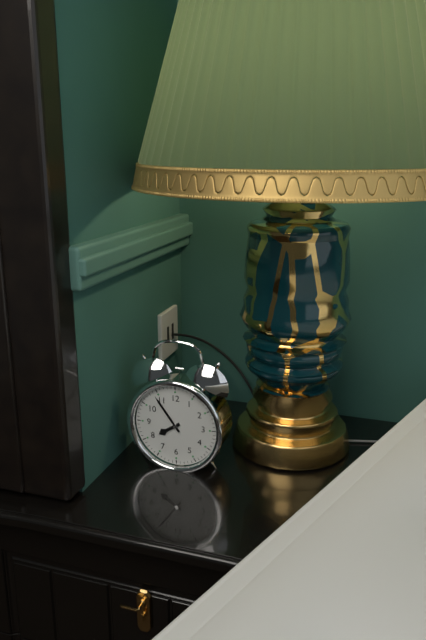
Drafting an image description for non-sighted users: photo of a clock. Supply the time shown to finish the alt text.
7:54
